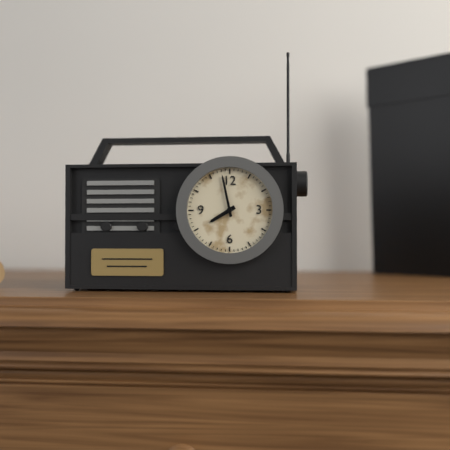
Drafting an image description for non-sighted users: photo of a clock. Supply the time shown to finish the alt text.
7:58
